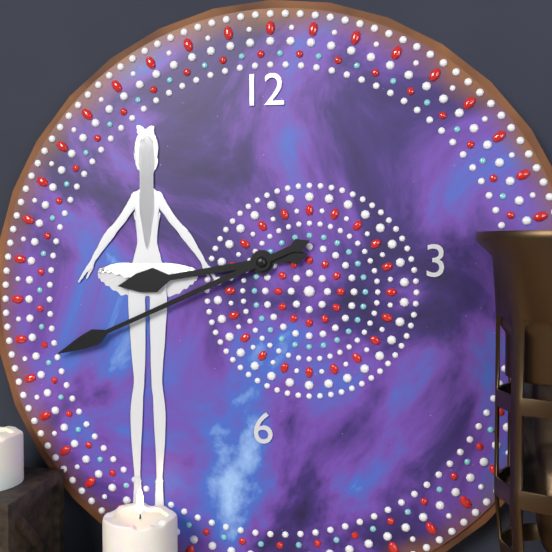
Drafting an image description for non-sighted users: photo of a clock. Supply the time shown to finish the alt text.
8:41
